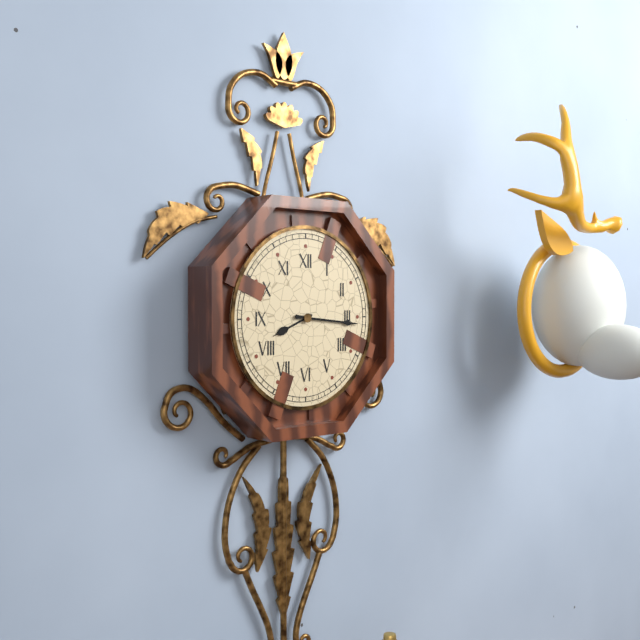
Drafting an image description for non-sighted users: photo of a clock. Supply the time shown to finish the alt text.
8:16
